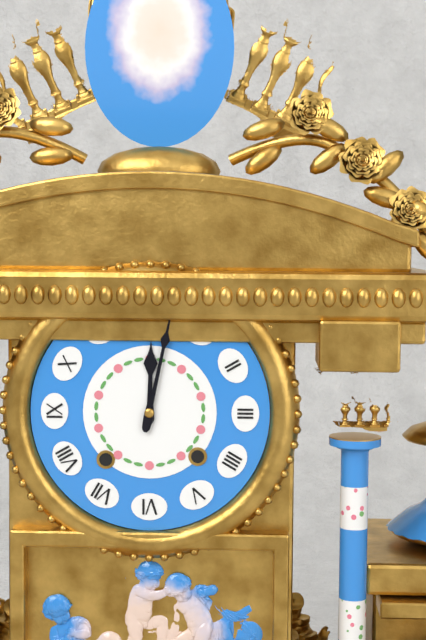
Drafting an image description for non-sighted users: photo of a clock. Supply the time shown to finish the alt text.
12:02
